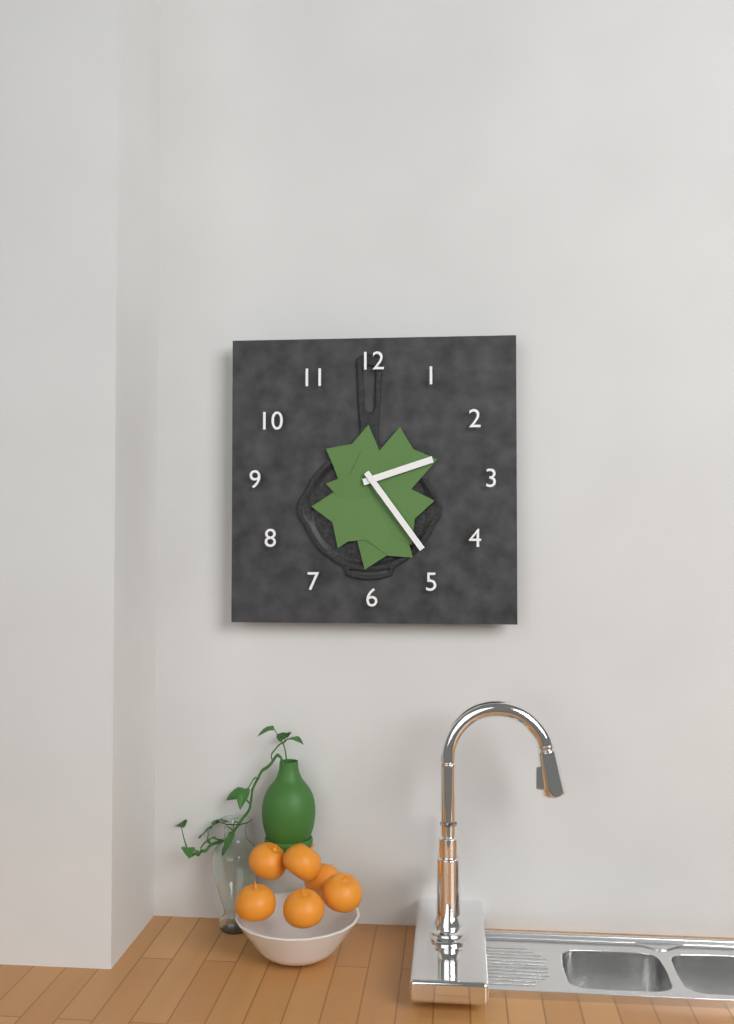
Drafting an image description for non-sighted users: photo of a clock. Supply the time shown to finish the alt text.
2:24
